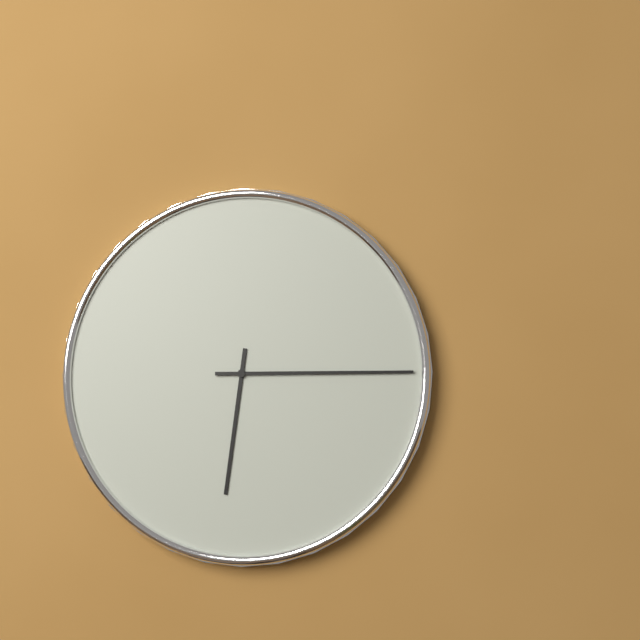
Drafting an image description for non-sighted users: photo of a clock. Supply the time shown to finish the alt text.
6:15
